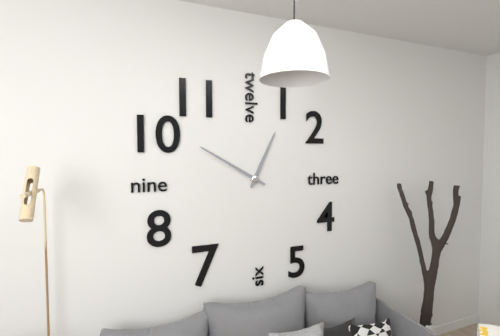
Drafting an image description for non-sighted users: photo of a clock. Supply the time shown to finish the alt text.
12:50
